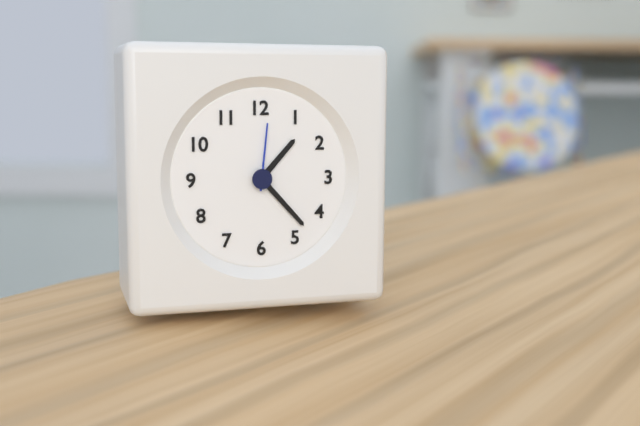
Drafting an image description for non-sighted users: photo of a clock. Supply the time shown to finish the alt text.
1:23:01
